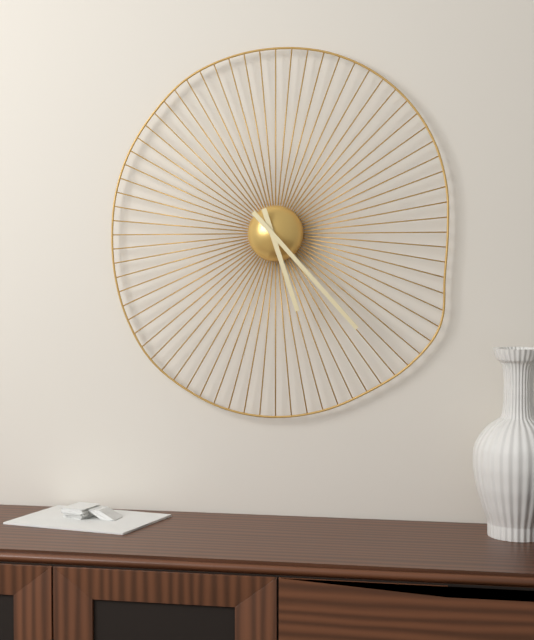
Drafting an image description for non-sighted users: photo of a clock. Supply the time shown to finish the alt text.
5:23
